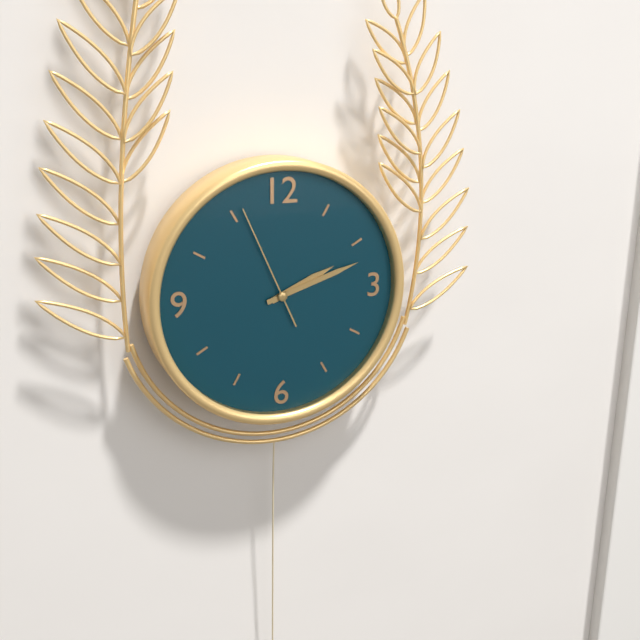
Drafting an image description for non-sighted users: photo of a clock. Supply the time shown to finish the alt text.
2:12:56
